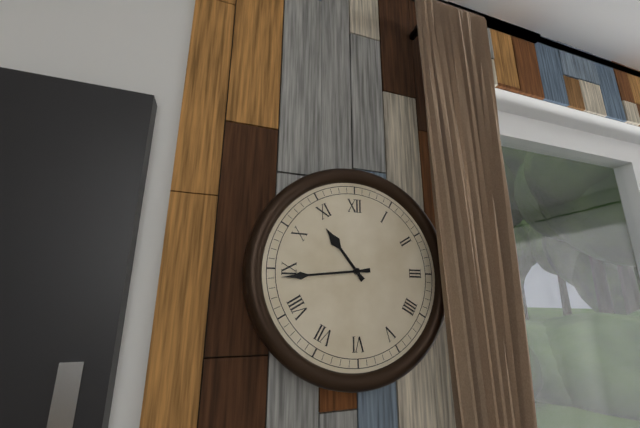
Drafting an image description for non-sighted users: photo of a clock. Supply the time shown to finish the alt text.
10:44
